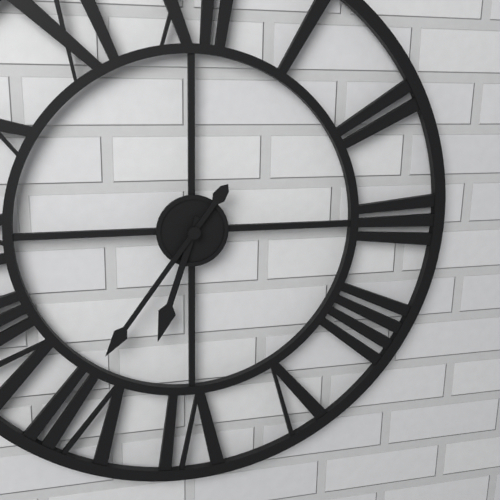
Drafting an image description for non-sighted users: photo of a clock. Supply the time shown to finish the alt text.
6:36
